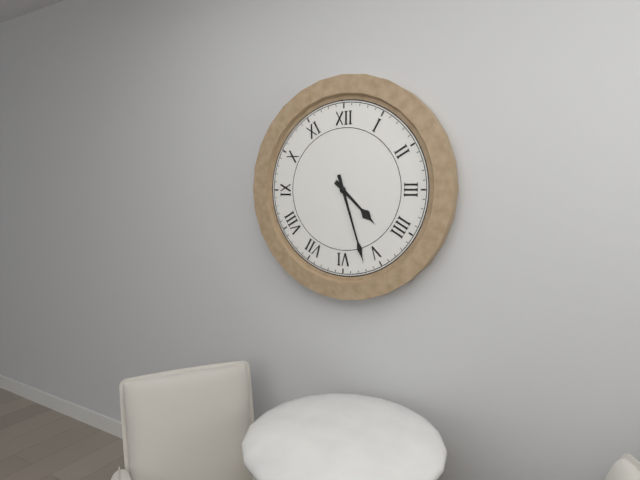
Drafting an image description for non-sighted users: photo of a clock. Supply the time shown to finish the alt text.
4:27
